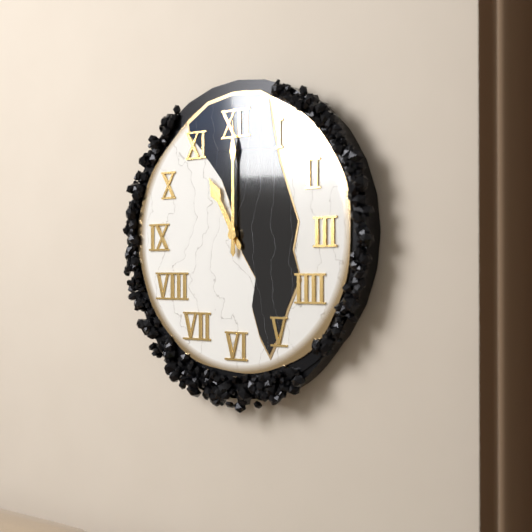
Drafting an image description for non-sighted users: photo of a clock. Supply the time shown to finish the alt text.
11:00
